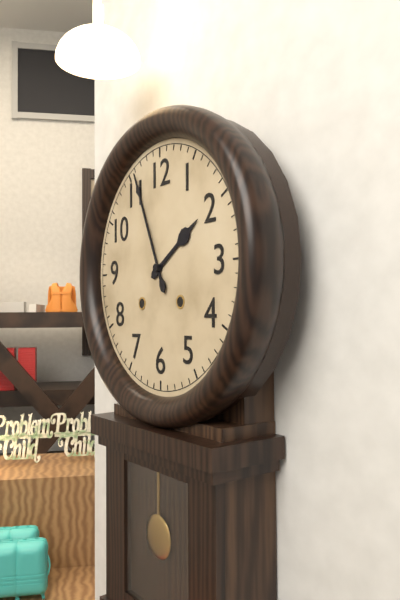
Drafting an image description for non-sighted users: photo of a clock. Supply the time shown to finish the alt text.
1:56
